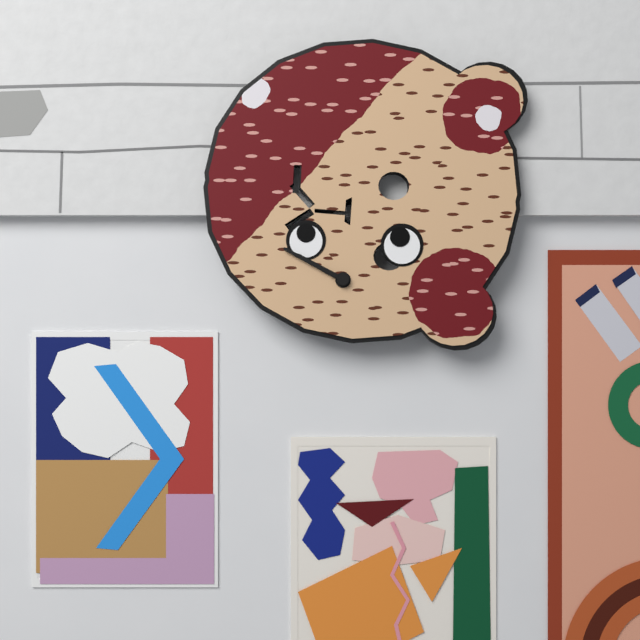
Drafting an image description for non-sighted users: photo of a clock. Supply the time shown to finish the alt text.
9:49
